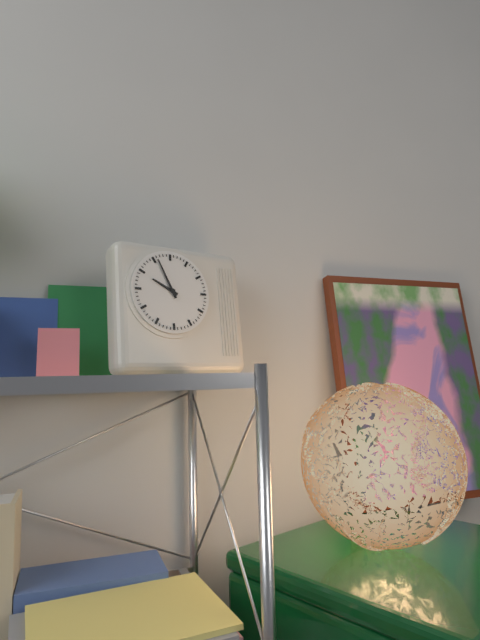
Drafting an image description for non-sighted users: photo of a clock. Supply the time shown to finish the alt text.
9:56
